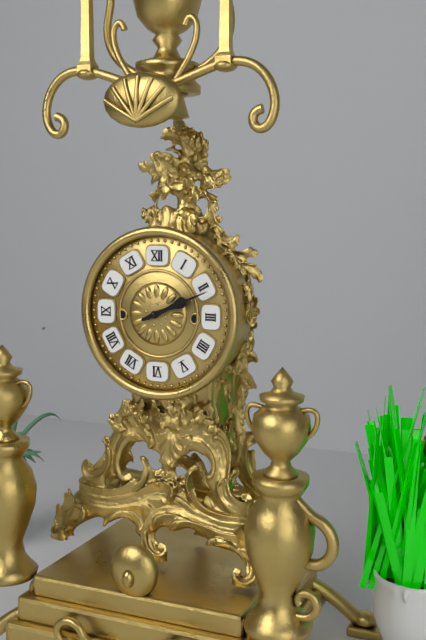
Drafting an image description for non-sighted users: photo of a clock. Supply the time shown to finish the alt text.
2:11
